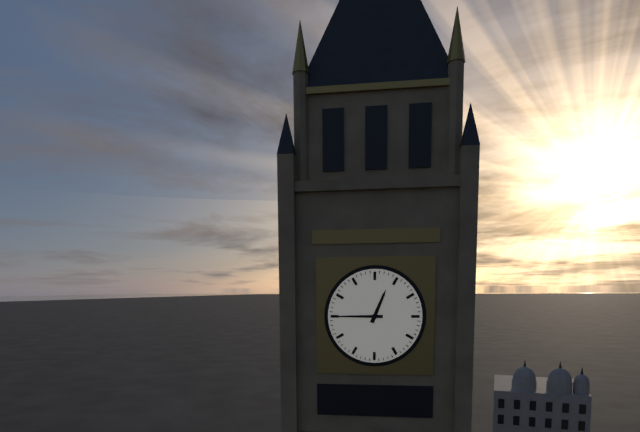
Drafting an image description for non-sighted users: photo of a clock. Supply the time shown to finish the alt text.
12:45
